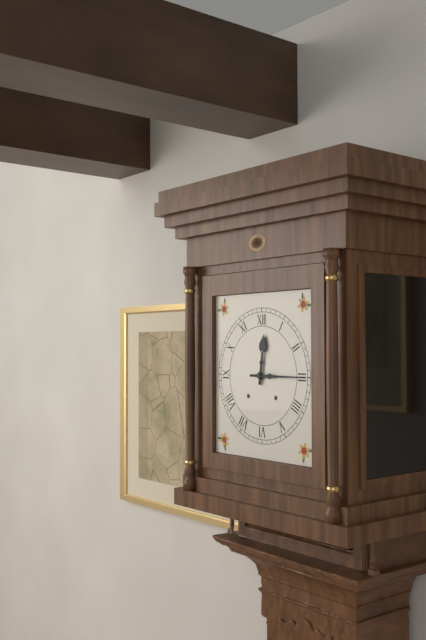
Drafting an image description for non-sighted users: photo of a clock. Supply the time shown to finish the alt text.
12:15
